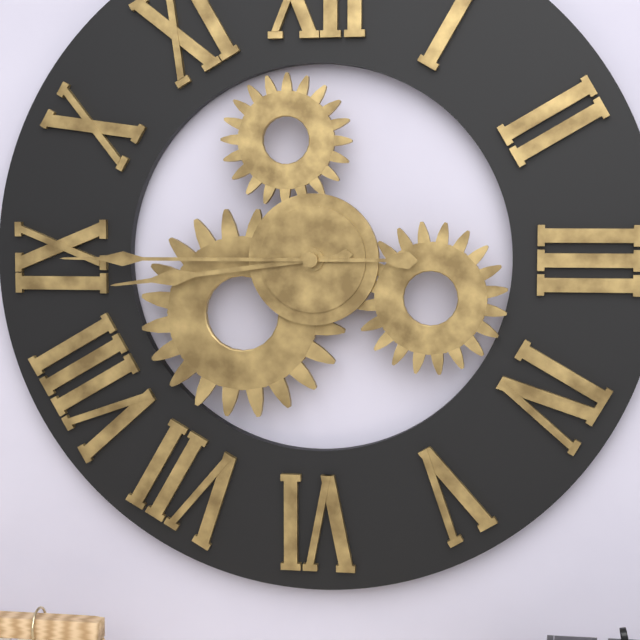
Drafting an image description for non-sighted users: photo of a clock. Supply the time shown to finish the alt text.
8:45
